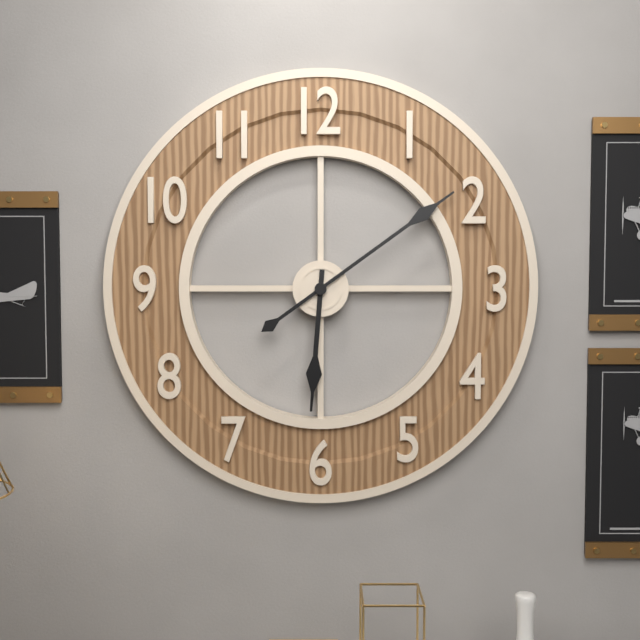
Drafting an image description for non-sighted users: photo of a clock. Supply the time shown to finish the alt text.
6:09
